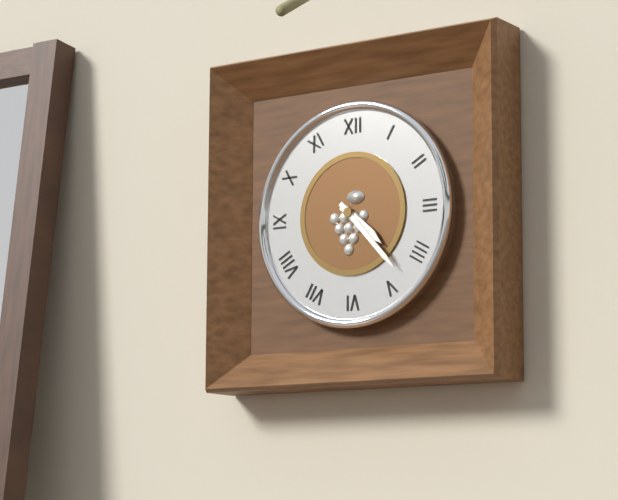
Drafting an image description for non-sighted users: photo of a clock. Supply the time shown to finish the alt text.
4:23
